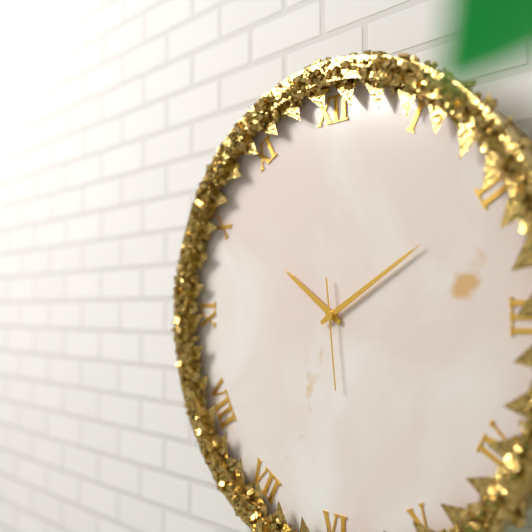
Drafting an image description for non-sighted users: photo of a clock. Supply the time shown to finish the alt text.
10:10:29
